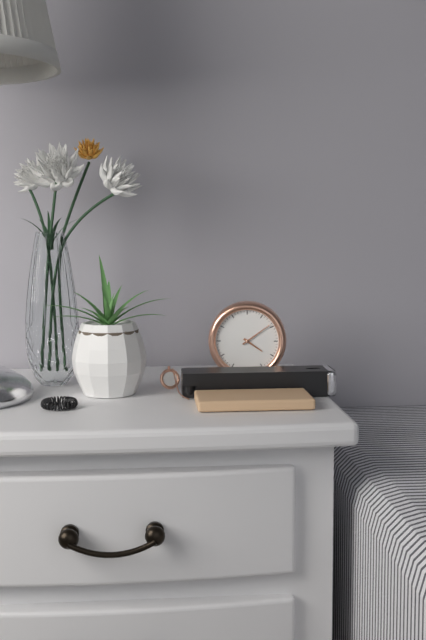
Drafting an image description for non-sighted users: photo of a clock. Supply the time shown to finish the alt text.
4:09
